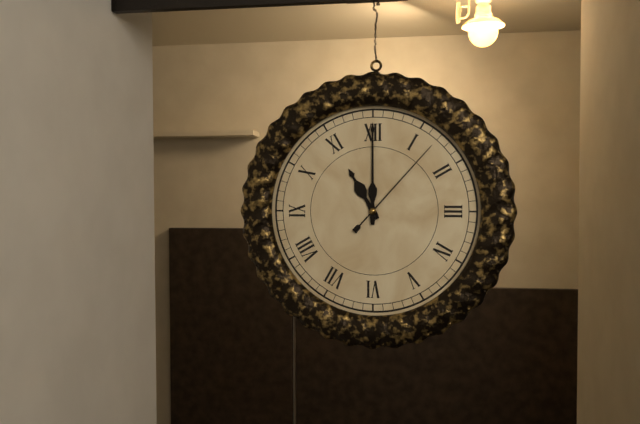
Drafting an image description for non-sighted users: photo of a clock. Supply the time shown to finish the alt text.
11:00:07
